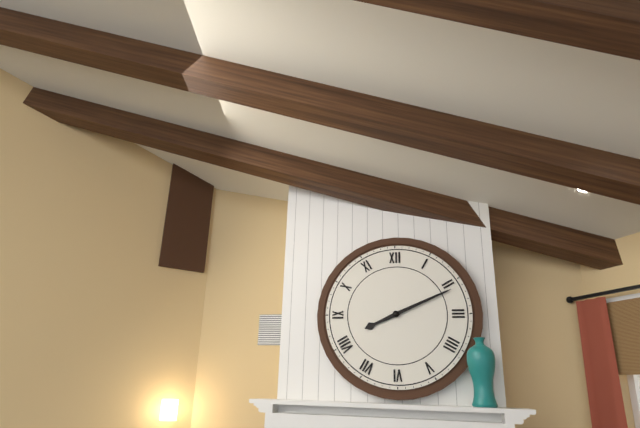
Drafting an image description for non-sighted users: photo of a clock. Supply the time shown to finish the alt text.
8:11
